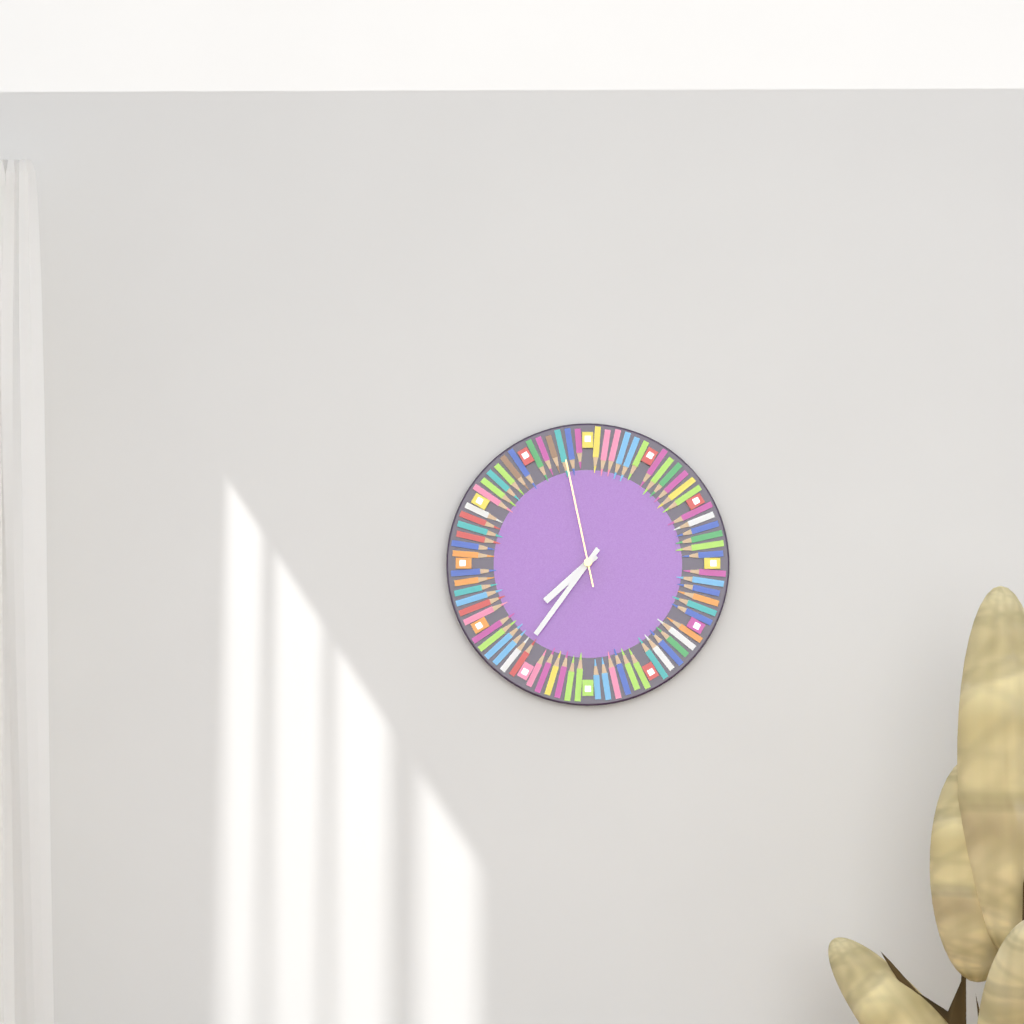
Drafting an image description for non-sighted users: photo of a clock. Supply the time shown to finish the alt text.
7:36:58
